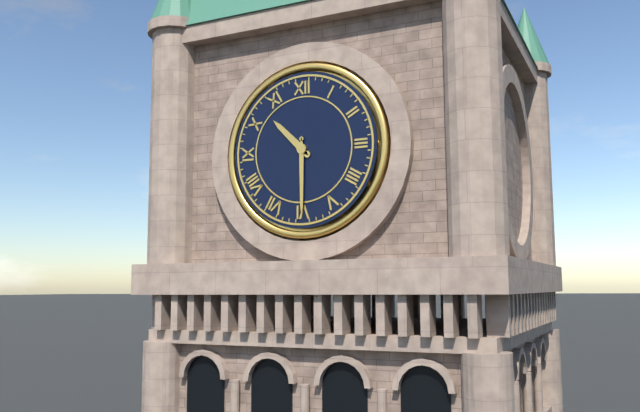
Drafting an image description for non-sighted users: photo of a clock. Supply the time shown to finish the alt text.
10:30
